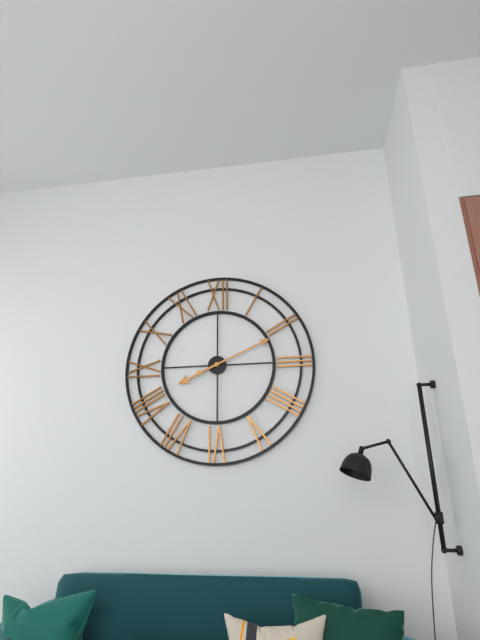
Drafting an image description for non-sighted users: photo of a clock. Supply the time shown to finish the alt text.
8:11
